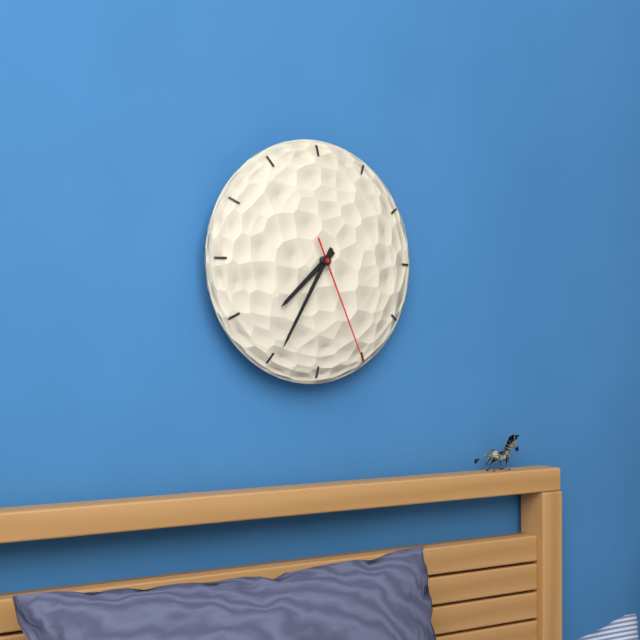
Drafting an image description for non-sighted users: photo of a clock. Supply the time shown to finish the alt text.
7:35:26
